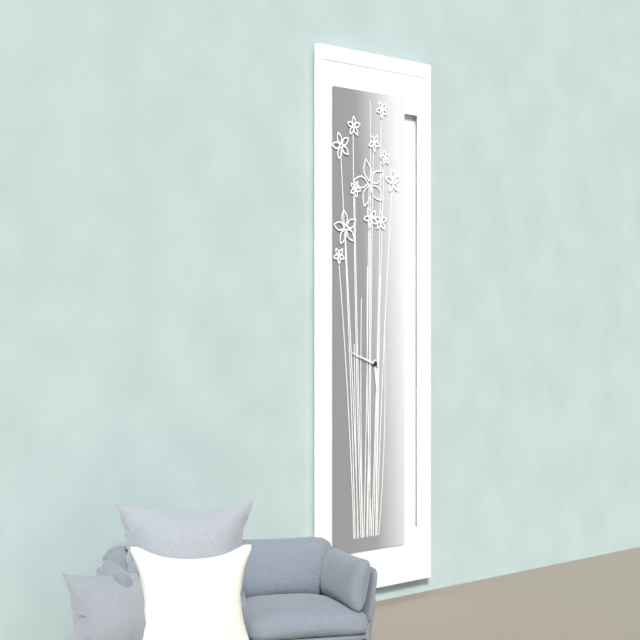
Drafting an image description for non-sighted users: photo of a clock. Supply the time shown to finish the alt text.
5:48
